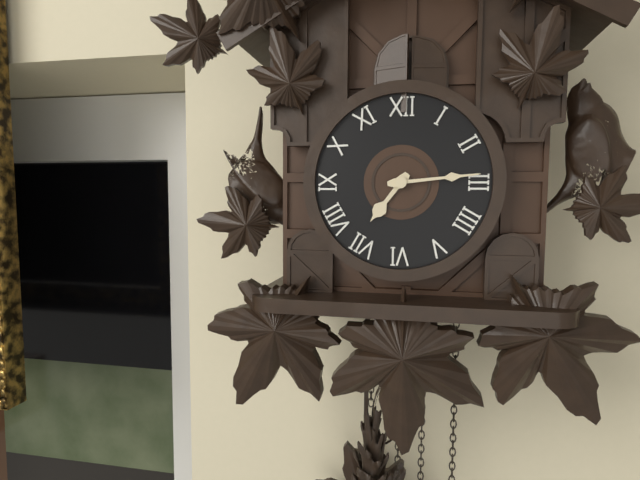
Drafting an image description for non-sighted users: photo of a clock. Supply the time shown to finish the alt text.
7:14
